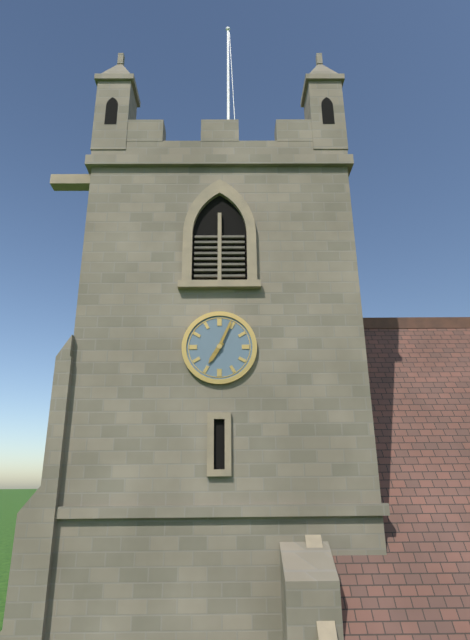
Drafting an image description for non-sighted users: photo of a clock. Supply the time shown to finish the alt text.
7:04
